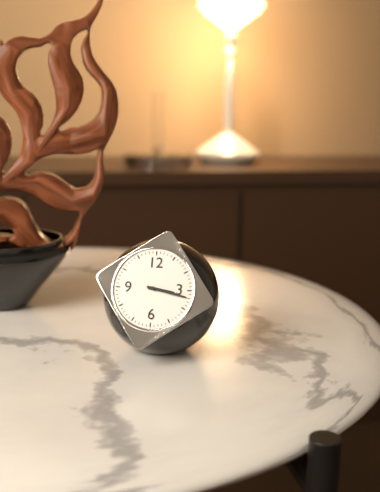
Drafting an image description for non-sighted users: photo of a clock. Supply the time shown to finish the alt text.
3:17
